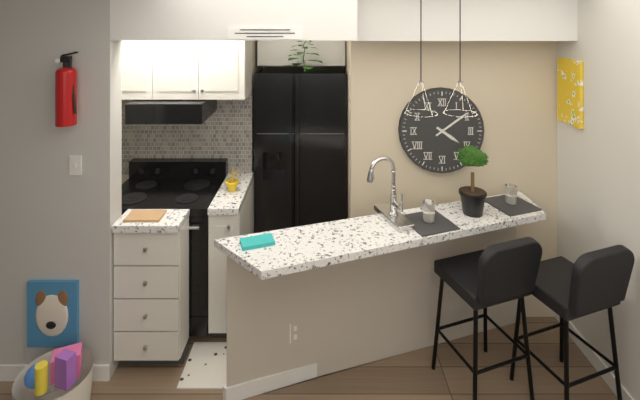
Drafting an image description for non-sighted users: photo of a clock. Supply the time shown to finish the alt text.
4:09
